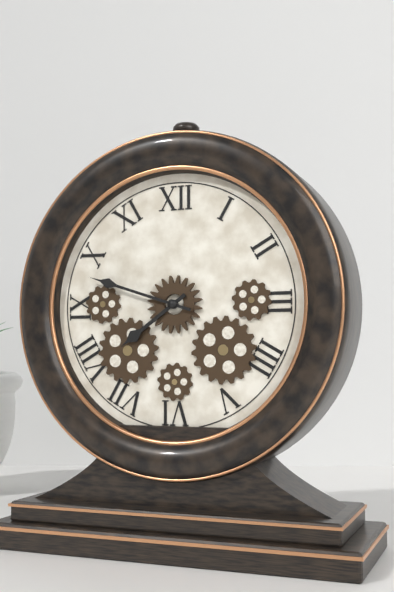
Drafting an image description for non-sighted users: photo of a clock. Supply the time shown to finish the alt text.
7:48
